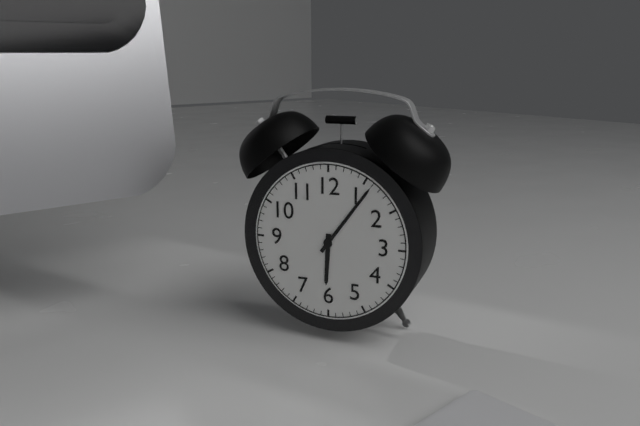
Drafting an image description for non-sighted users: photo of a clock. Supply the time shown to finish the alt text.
6:06
